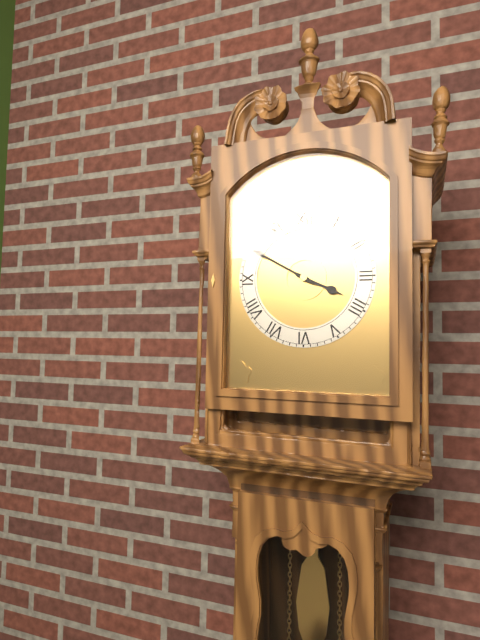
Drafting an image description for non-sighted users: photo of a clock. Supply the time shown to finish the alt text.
3:50
